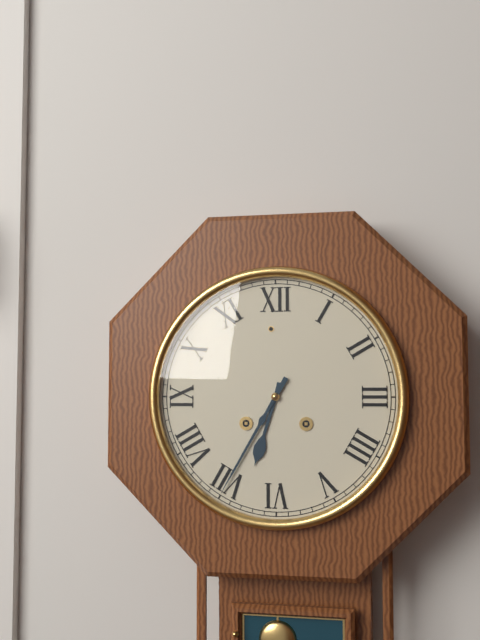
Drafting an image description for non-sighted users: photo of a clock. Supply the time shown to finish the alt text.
6:35
